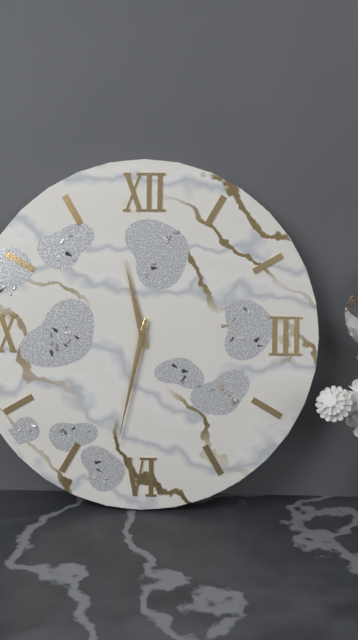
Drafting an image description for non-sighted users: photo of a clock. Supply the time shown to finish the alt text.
11:32
